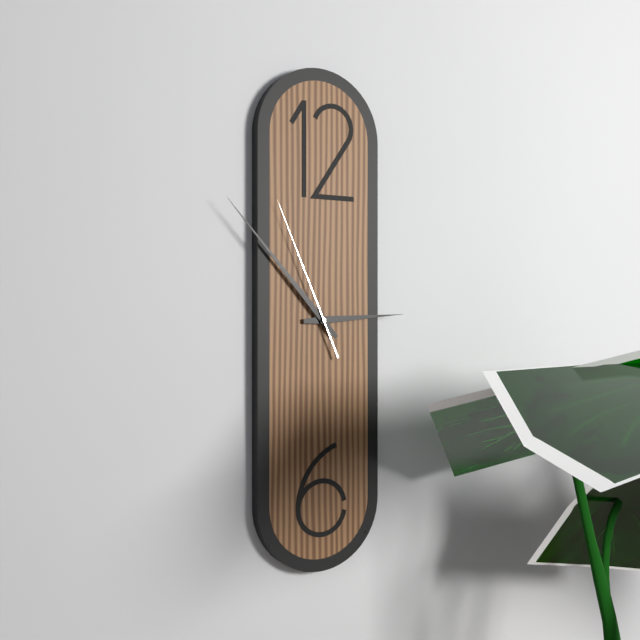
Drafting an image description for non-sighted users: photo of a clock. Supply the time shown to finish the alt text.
2:53:56
